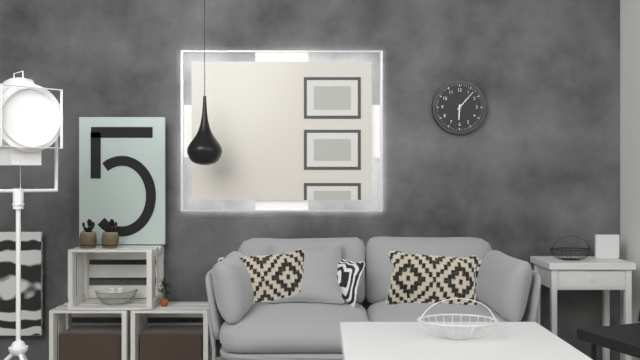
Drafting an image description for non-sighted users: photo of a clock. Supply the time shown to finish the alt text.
6:07
